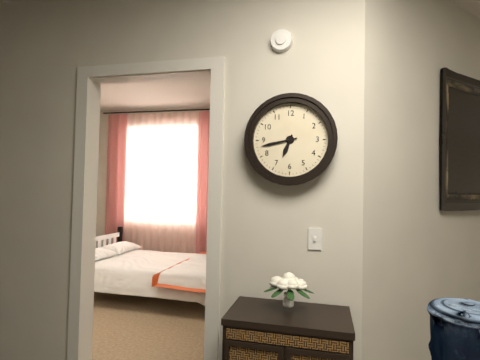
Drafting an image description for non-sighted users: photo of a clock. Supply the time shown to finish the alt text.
6:43
